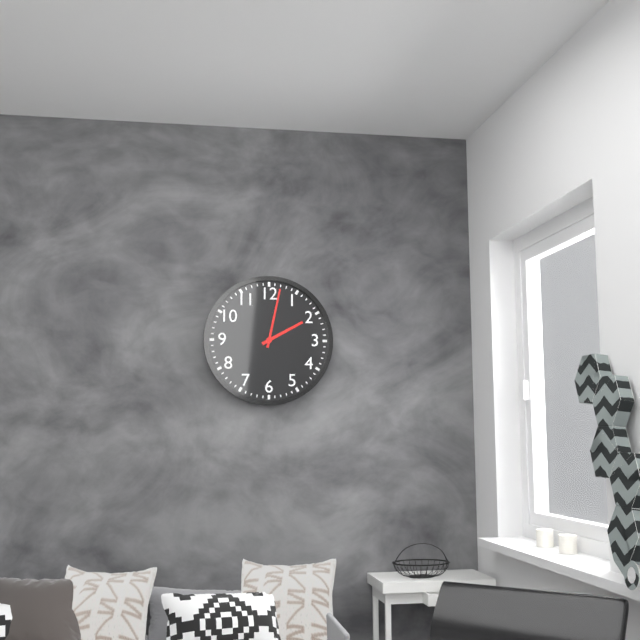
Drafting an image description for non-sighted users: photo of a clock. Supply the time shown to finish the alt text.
2:02
